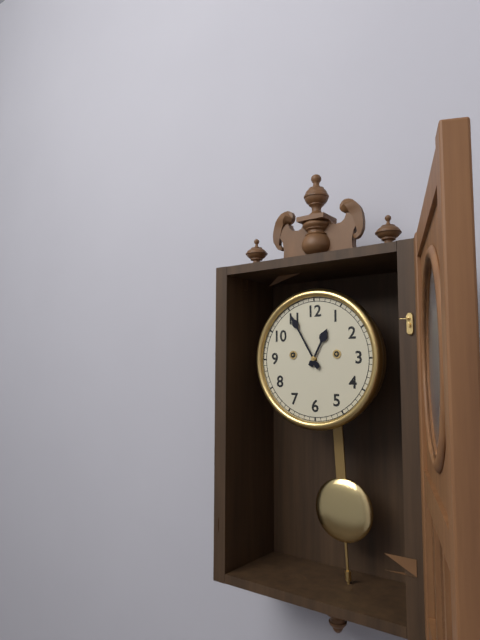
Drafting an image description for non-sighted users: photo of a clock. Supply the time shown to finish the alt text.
12:55
